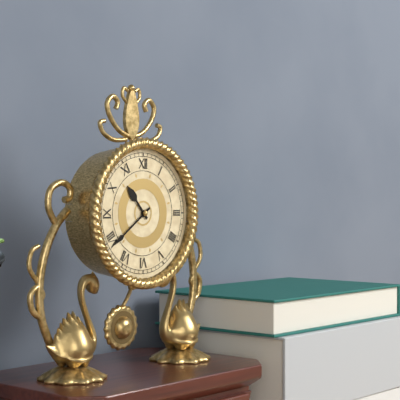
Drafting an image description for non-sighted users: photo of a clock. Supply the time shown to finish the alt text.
10:39
